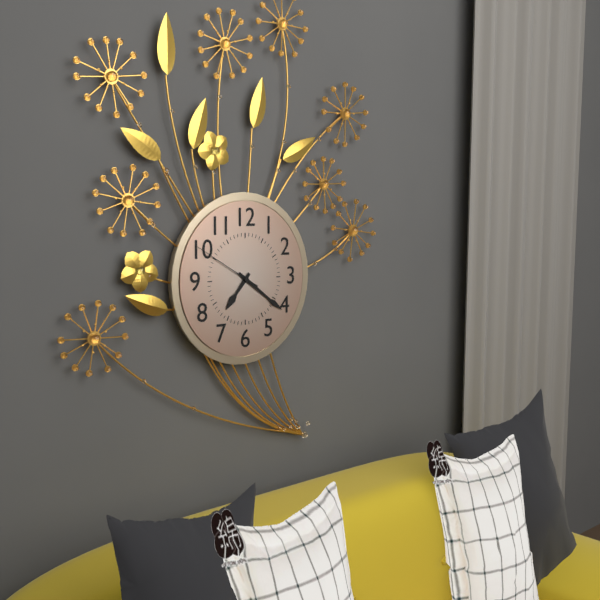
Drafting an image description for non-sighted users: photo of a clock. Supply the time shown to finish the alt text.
7:21:50
